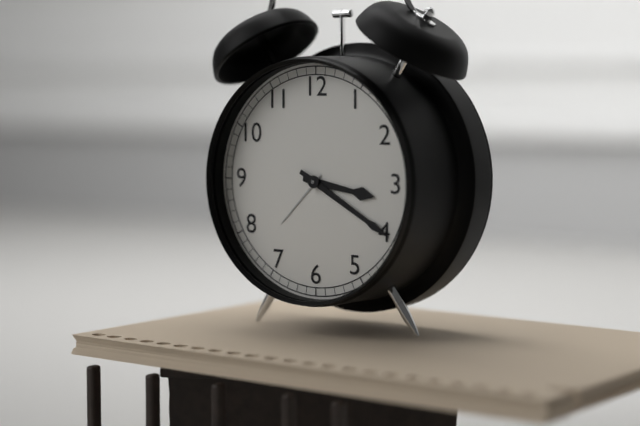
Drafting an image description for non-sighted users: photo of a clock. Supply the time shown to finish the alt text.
3:20
